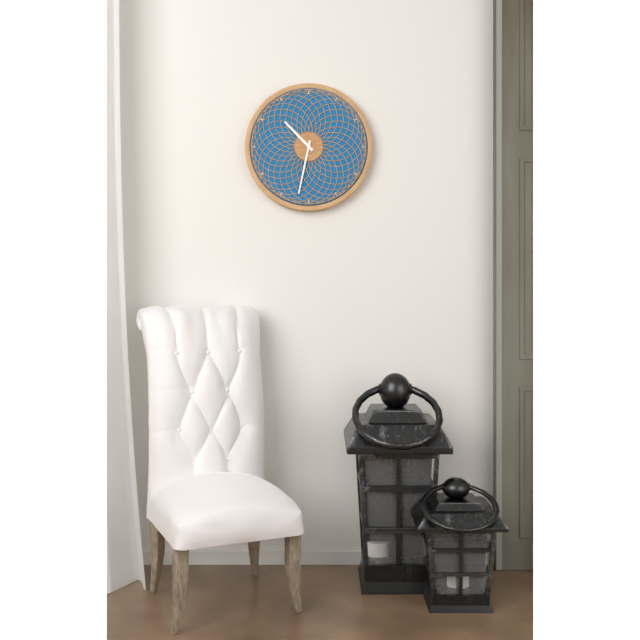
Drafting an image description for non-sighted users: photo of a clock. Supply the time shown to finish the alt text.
10:32
